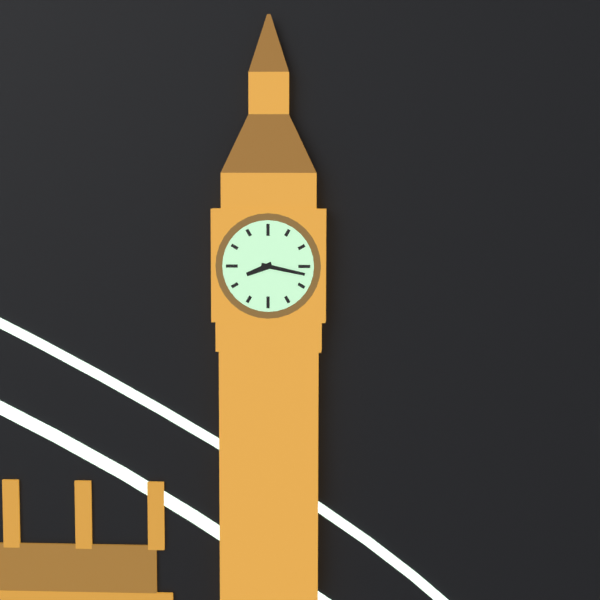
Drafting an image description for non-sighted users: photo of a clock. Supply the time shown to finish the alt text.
8:17
